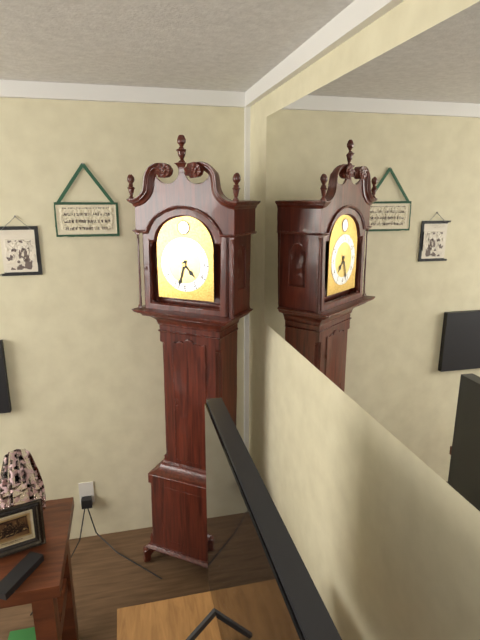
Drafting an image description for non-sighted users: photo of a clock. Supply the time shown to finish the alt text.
4:33
